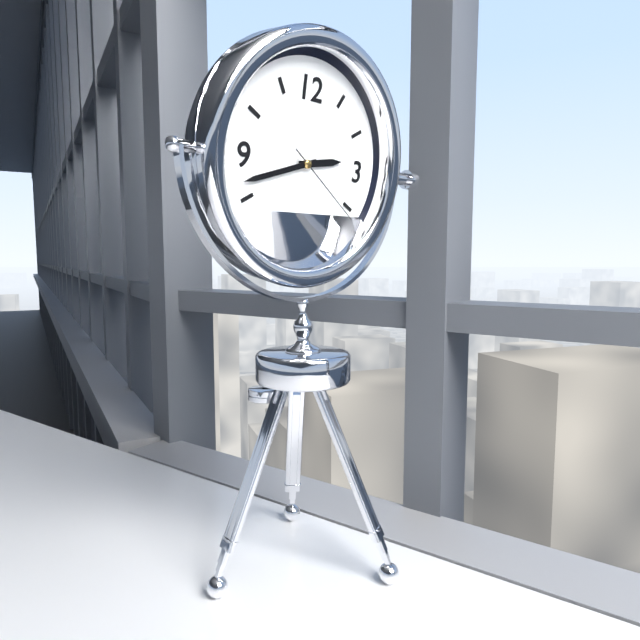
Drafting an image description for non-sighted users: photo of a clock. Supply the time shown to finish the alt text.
2:42:21
